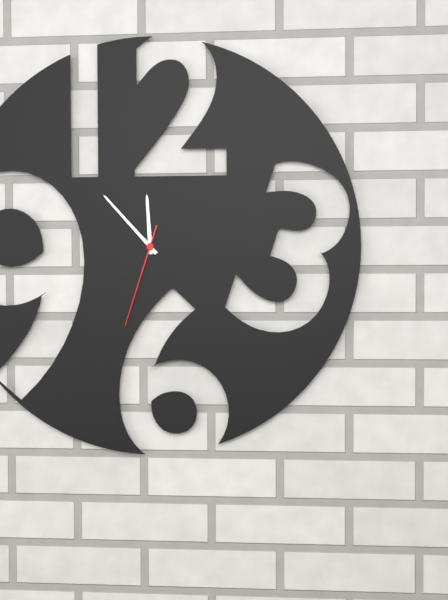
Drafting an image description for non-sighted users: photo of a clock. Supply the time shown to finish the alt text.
11:53:33
